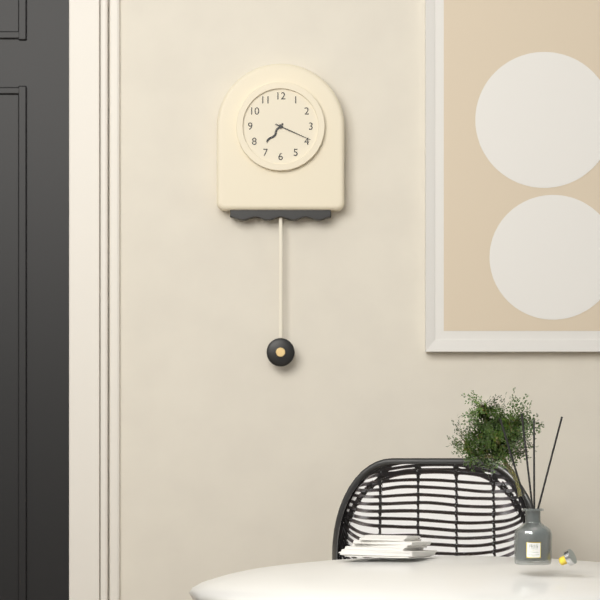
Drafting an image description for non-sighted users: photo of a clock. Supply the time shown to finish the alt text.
7:19
